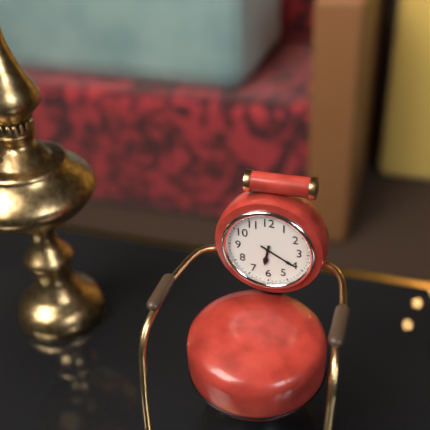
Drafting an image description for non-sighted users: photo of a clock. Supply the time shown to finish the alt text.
6:20
